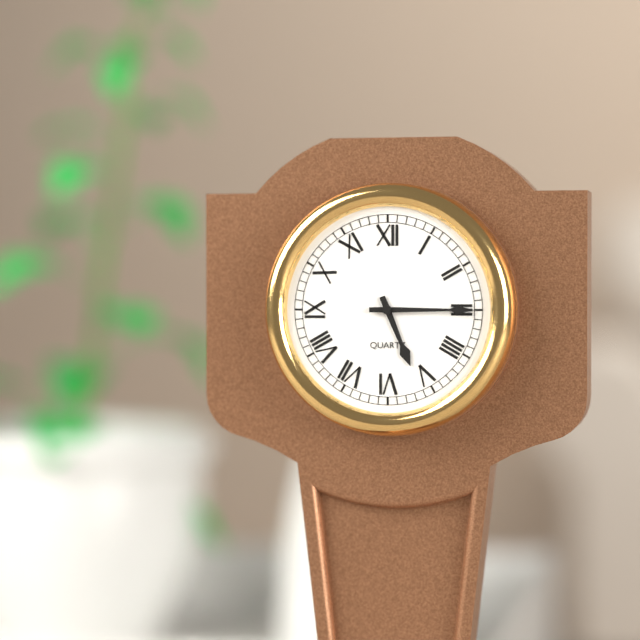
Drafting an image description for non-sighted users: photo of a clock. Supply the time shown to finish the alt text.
5:15
